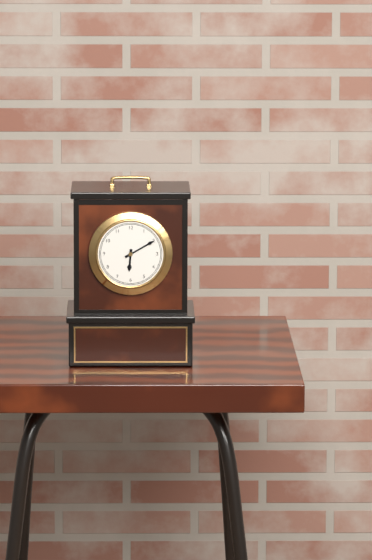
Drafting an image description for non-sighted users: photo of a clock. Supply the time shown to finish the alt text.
6:10
